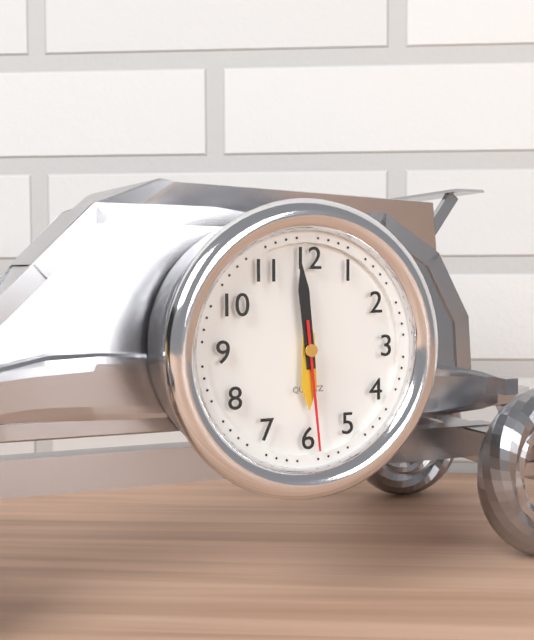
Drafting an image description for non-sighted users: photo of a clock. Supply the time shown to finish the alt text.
5:59:29
